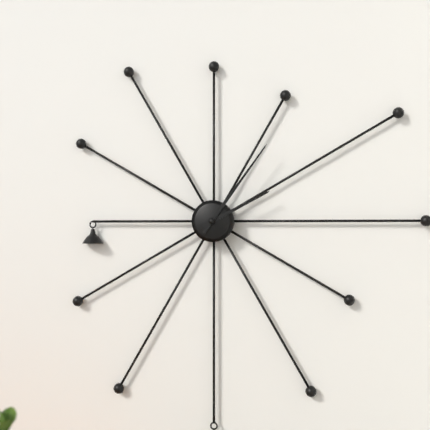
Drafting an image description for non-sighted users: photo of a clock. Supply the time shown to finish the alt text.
2:06
